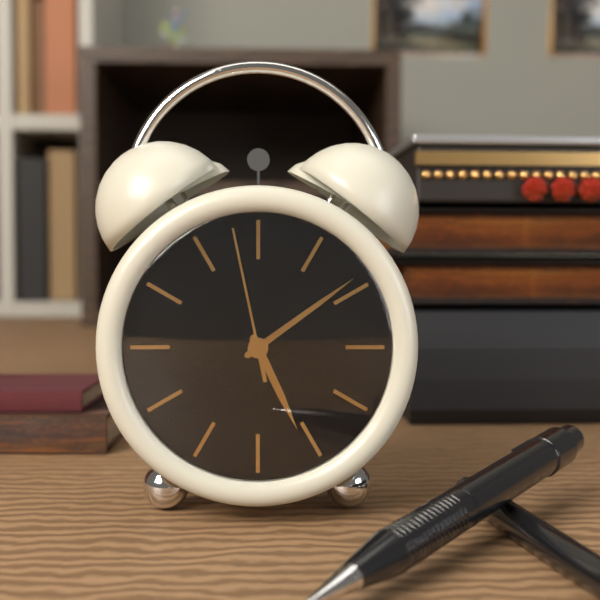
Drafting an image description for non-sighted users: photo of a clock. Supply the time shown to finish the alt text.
5:09:58
